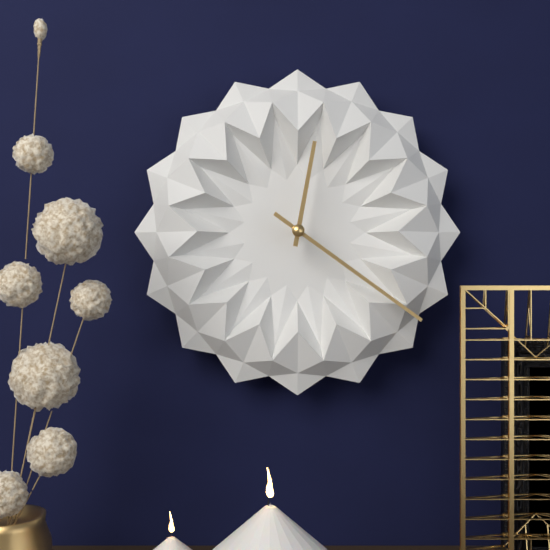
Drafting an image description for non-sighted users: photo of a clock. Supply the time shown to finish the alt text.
12:21
